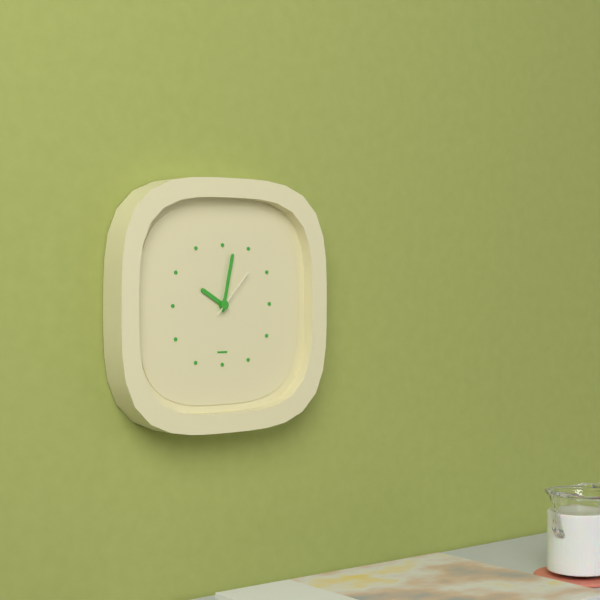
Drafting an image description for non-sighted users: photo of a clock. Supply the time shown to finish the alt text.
10:02:07
